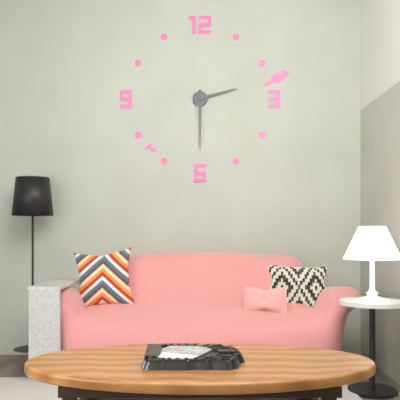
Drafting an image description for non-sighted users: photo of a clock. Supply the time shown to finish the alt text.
2:30
